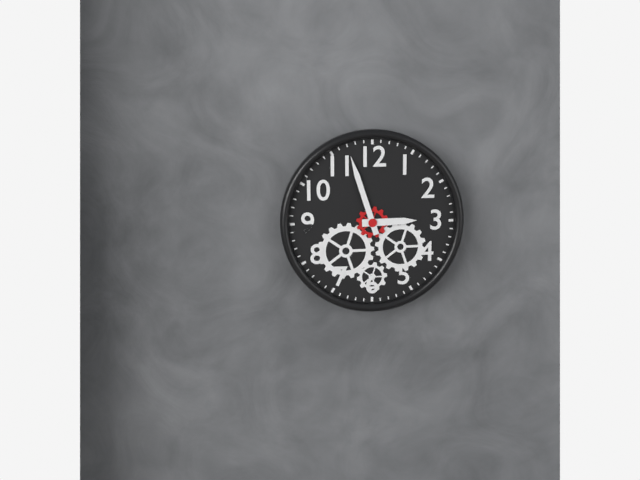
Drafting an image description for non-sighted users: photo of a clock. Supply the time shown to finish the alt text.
2:57
